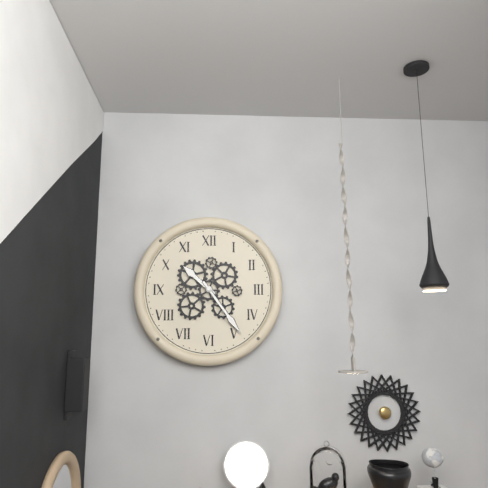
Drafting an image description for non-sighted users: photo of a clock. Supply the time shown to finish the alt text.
10:24
